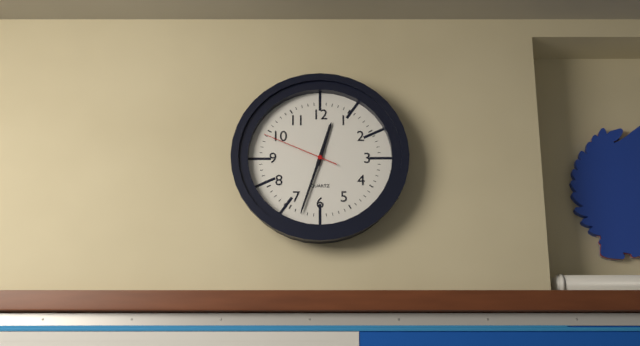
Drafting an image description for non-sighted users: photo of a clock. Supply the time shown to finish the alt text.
12:33:49
